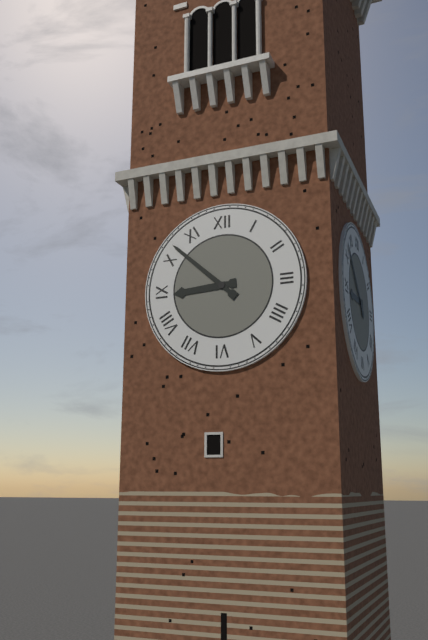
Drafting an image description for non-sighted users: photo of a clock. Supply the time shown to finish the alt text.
8:52
